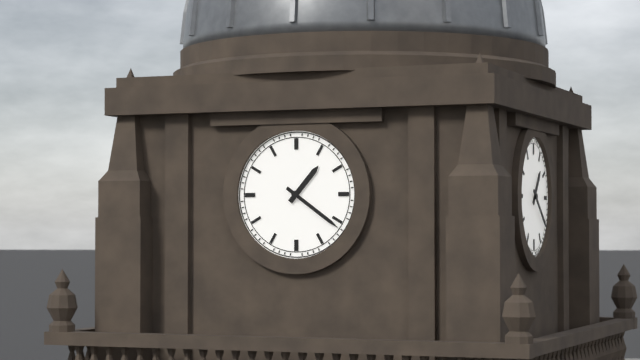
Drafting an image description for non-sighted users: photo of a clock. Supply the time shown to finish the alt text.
1:21
